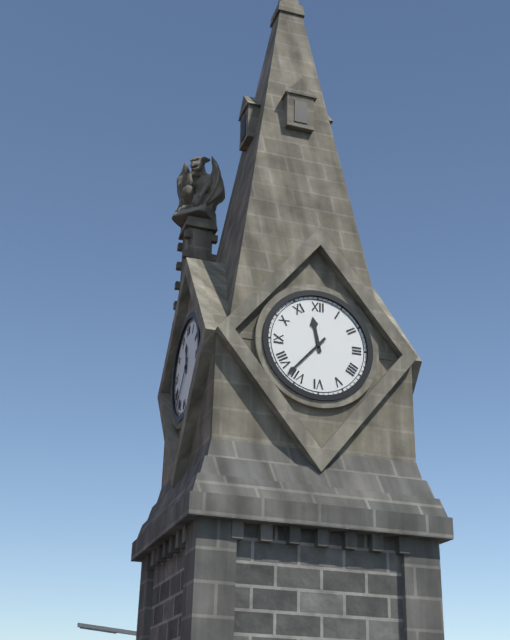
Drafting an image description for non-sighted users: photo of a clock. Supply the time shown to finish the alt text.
11:37
